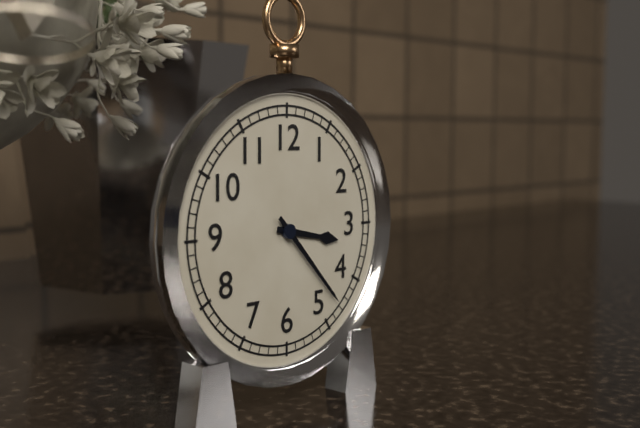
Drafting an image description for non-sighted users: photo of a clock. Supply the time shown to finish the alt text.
3:23
